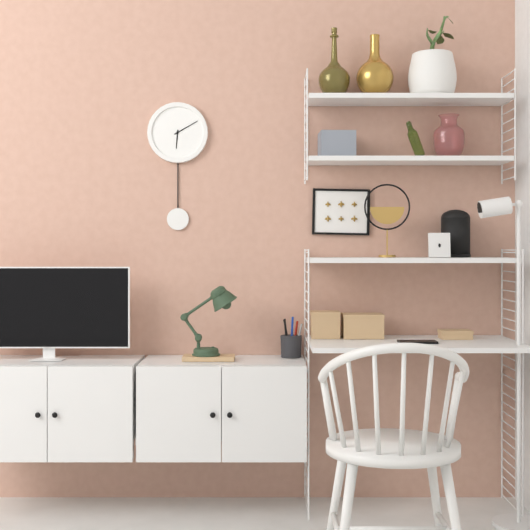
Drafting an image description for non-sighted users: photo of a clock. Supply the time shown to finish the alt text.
6:10
